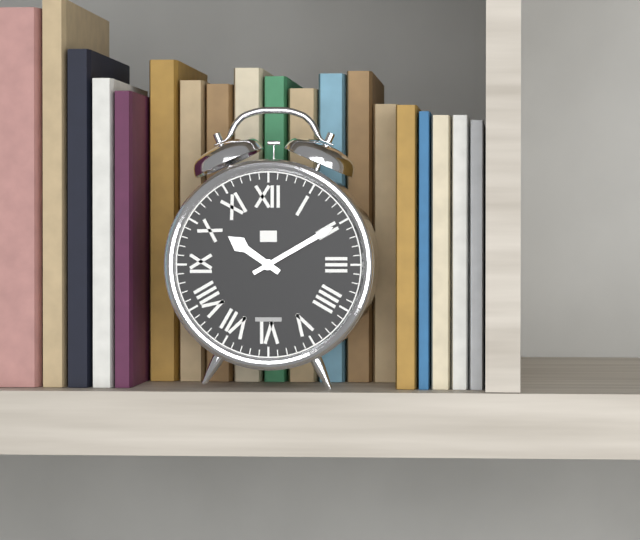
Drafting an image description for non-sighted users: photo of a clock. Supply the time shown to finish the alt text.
10:10
